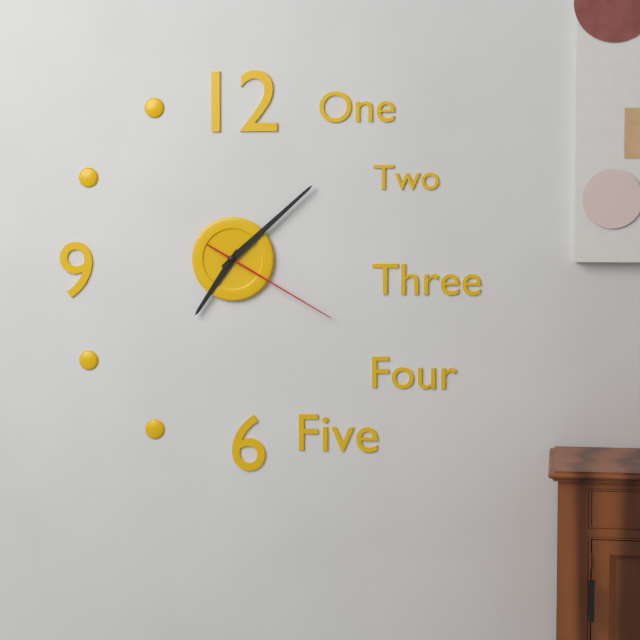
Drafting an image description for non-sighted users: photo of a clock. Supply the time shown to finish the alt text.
7:08:20
